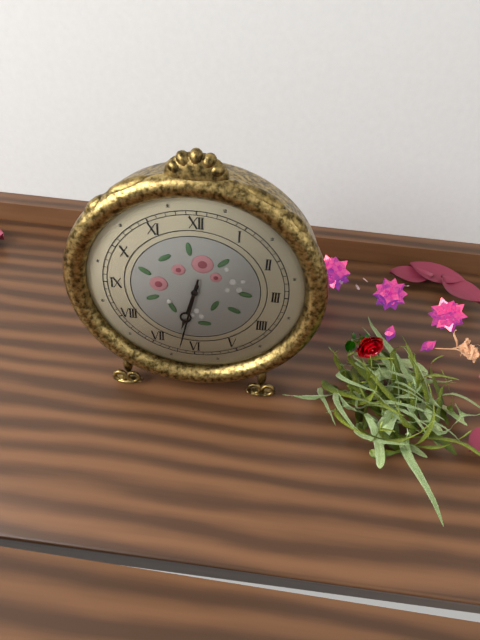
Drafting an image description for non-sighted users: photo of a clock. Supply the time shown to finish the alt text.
6:32
